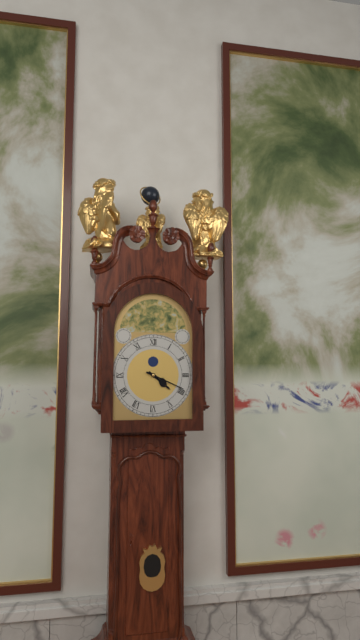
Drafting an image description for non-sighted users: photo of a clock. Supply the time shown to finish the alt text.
4:19
